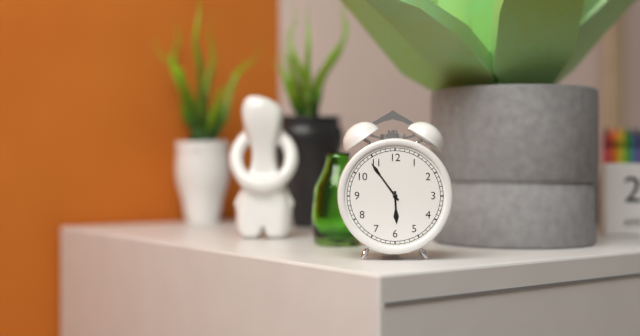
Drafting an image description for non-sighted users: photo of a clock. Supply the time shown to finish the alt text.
5:54
